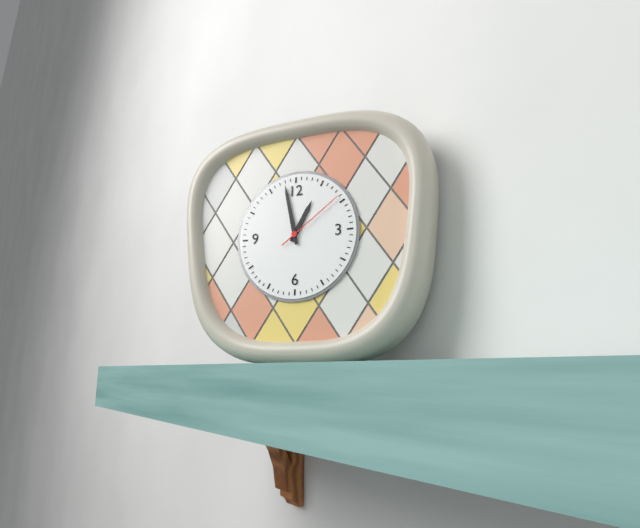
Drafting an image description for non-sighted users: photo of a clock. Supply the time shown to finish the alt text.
12:58:09
